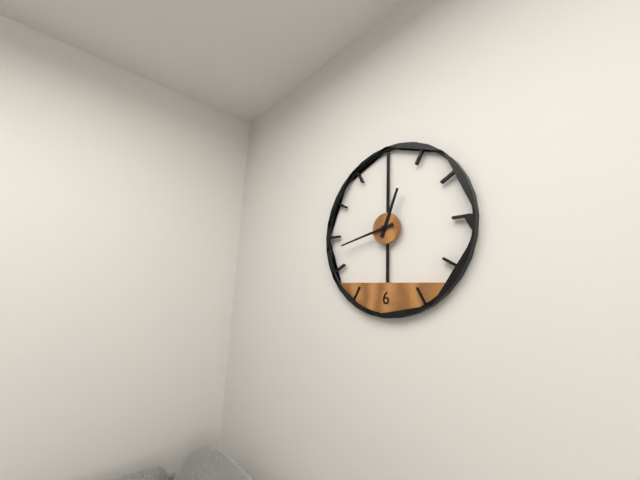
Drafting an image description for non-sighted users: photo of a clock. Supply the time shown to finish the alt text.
12:43
